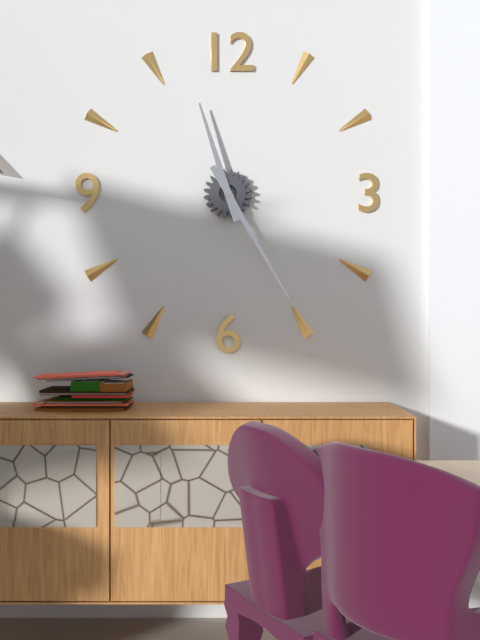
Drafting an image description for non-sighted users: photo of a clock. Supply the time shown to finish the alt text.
11:25
